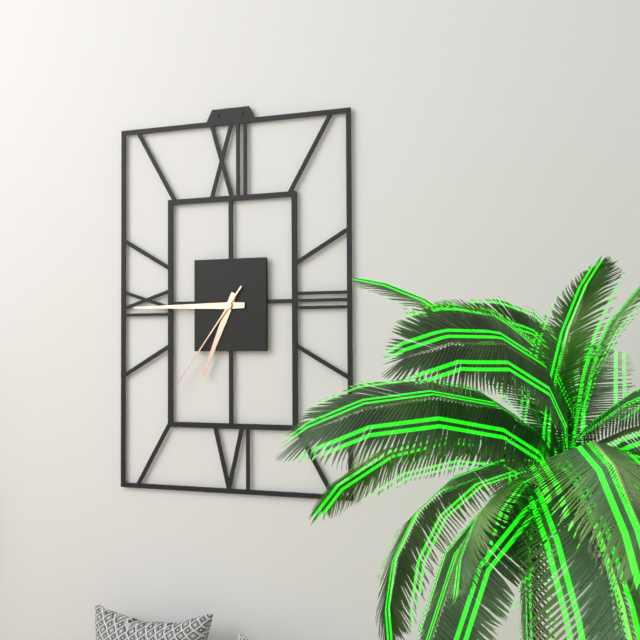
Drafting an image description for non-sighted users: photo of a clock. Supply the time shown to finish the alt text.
6:45:36
